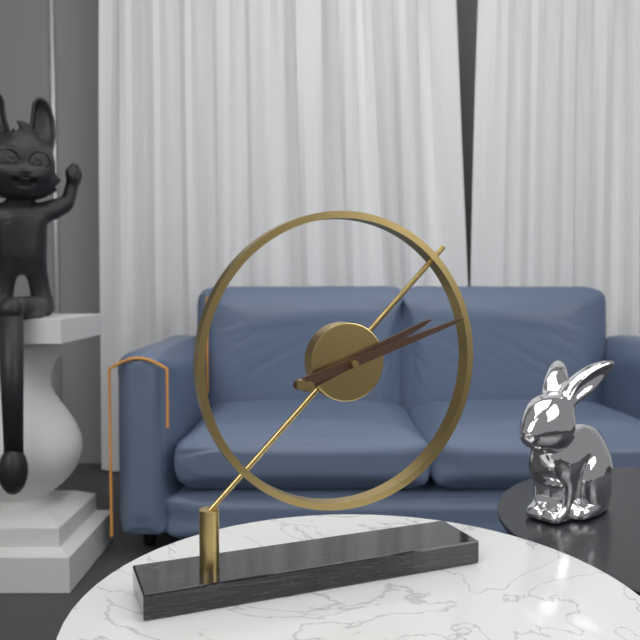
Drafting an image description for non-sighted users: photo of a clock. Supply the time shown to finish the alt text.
2:12
